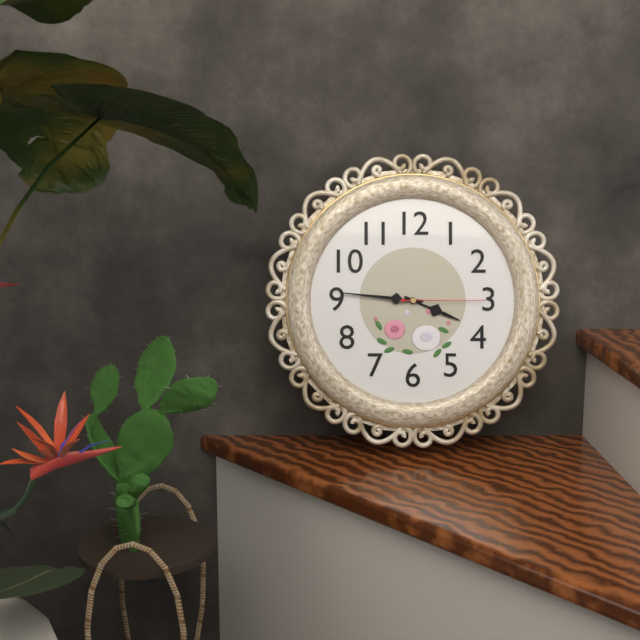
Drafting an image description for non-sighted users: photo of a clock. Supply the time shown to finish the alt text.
3:46:15
